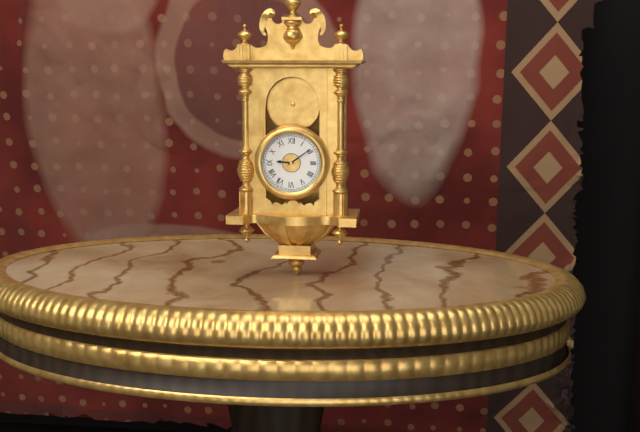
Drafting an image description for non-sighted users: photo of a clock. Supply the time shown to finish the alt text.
9:09
